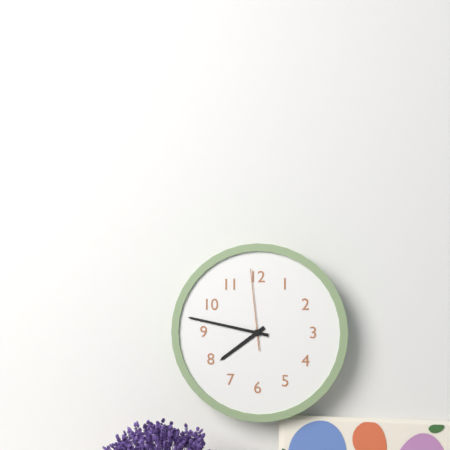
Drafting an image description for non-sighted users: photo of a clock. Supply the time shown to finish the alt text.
7:47:59
